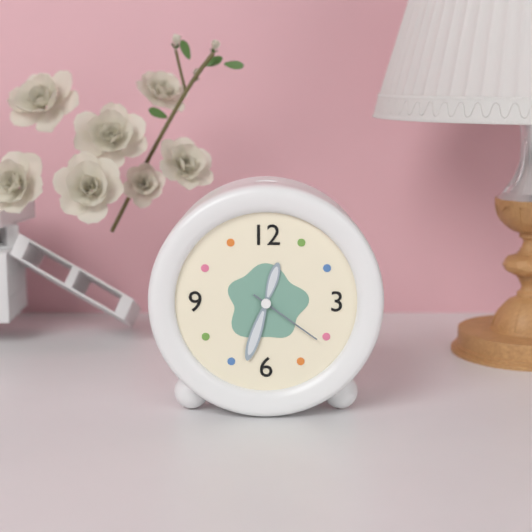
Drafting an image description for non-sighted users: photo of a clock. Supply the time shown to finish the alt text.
12:33:21
